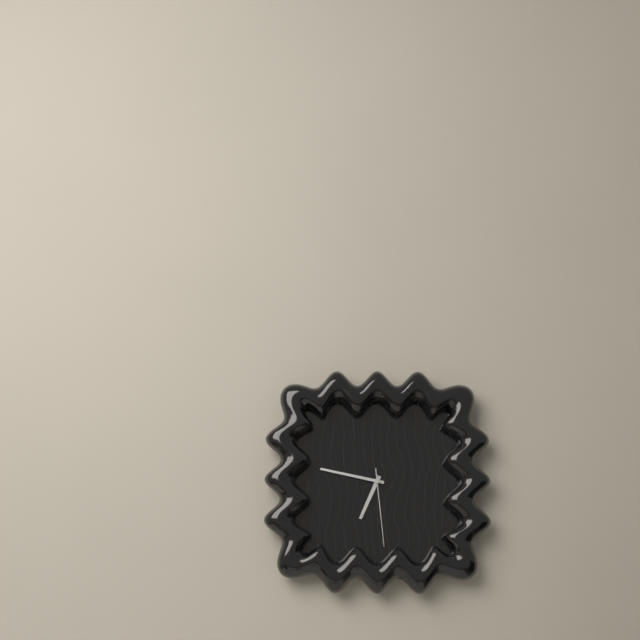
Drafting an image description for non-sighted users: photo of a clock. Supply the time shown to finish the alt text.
6:47:29
